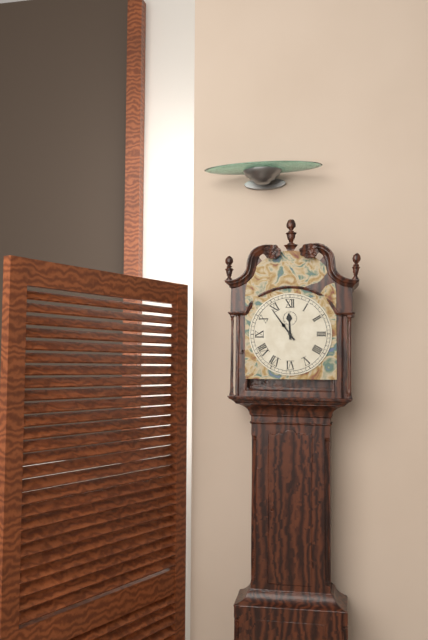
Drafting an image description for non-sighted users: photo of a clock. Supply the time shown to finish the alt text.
11:54
